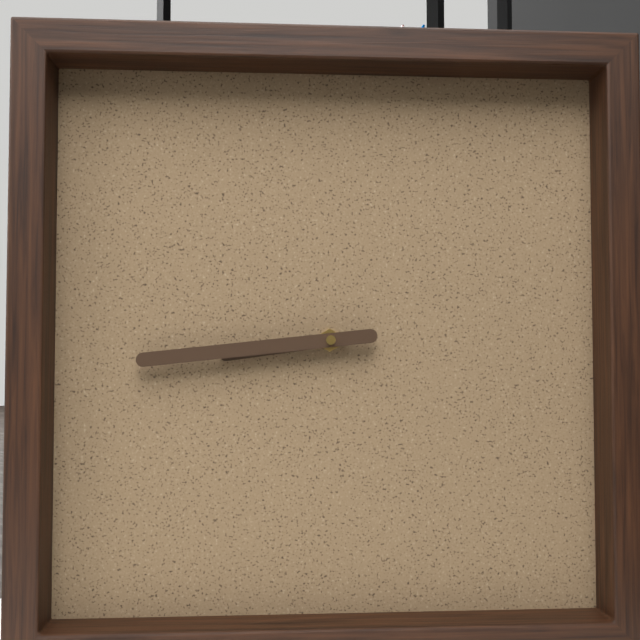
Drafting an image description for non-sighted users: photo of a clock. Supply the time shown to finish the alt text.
8:44
